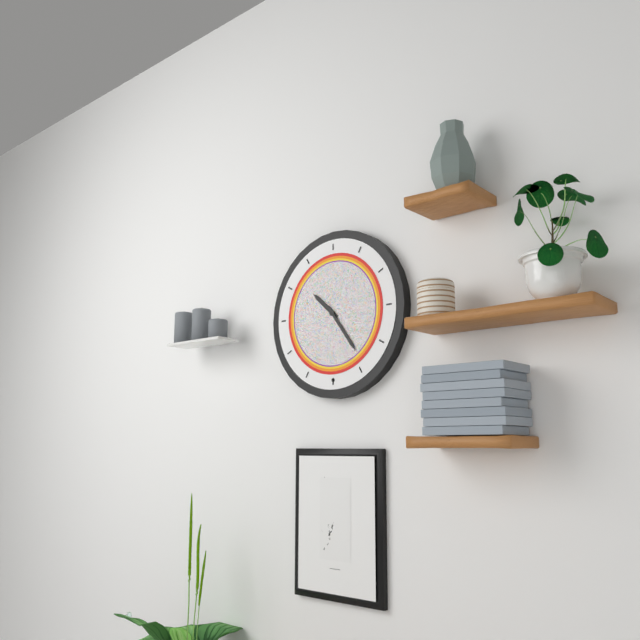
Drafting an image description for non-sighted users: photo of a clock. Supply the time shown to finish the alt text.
10:24
